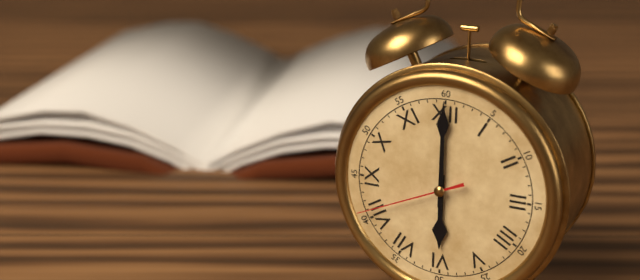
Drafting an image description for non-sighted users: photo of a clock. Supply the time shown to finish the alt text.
6:00:41
